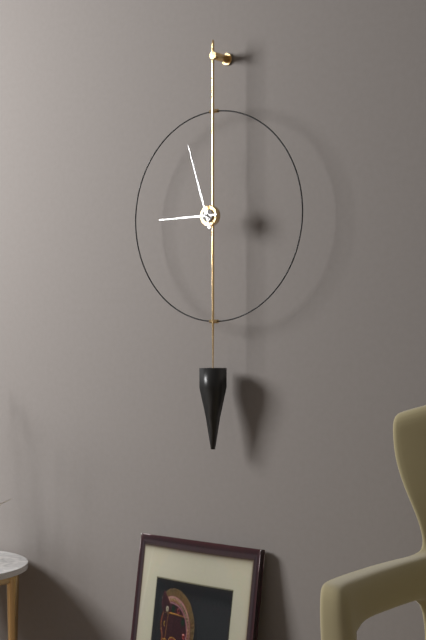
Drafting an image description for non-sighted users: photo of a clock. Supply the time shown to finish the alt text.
8:57
